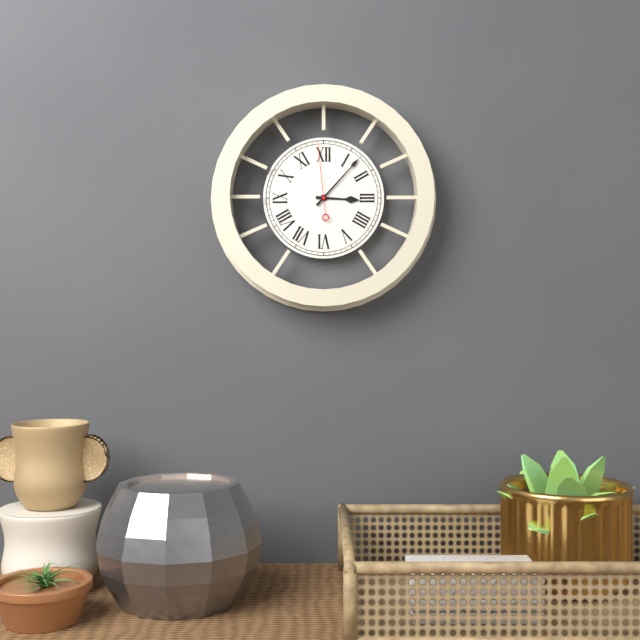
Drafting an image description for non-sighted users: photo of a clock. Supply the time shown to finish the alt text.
3:07:59
